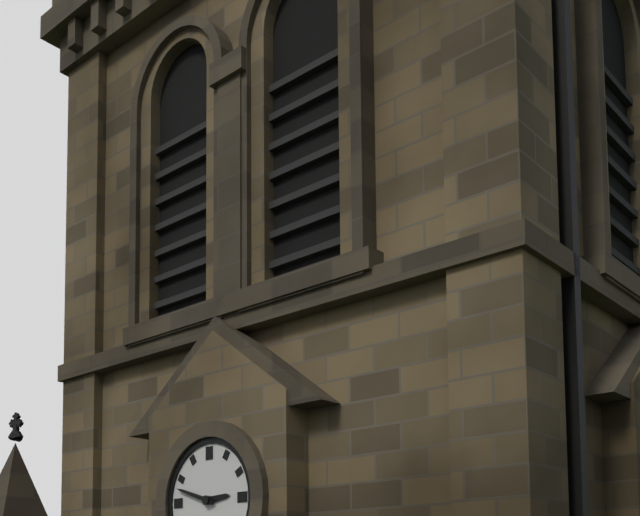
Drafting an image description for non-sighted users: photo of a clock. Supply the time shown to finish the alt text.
2:48
